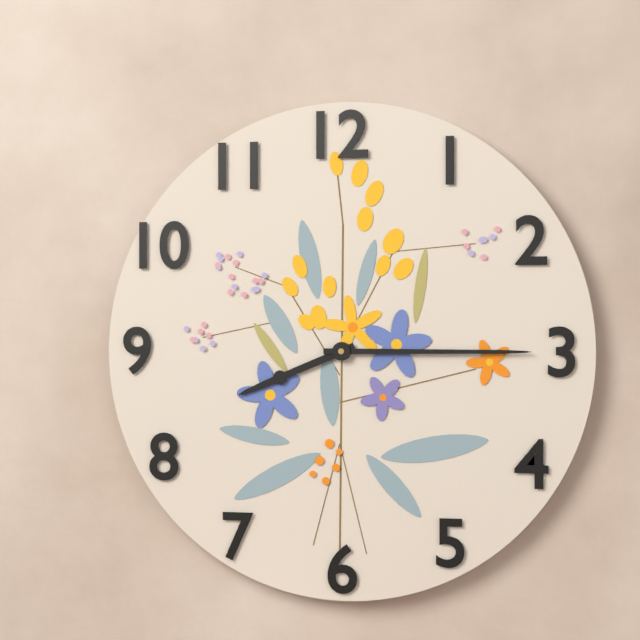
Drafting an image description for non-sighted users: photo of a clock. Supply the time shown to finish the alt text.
8:15
